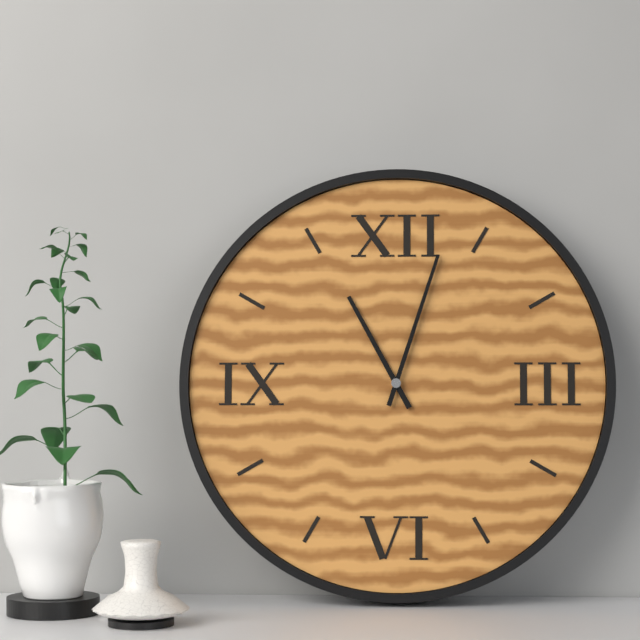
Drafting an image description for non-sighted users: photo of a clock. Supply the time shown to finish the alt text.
11:03
